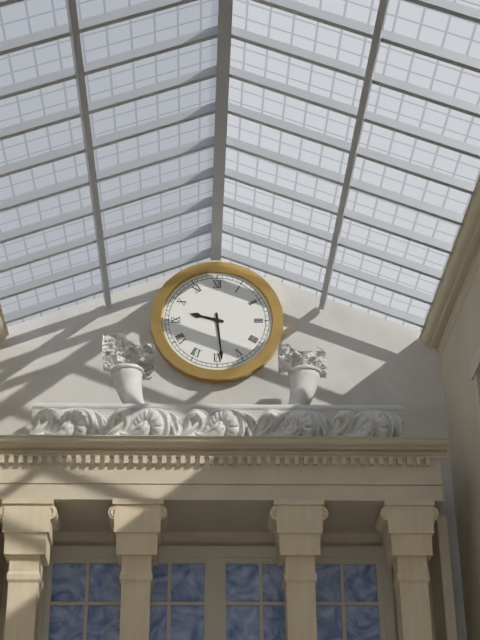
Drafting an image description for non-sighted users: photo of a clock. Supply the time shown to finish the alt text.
9:29
